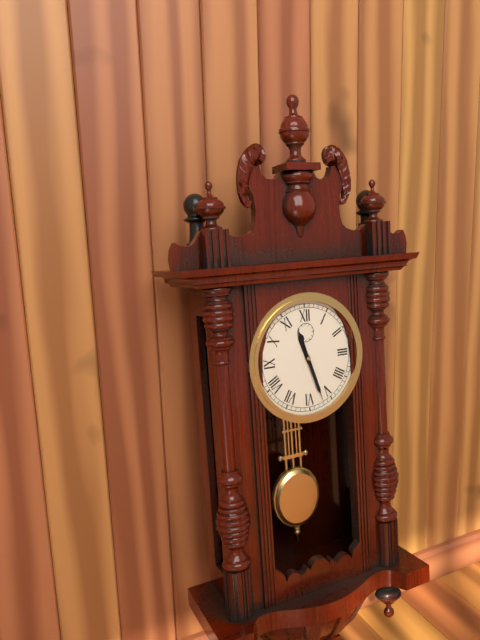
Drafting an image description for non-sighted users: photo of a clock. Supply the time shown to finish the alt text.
11:27
